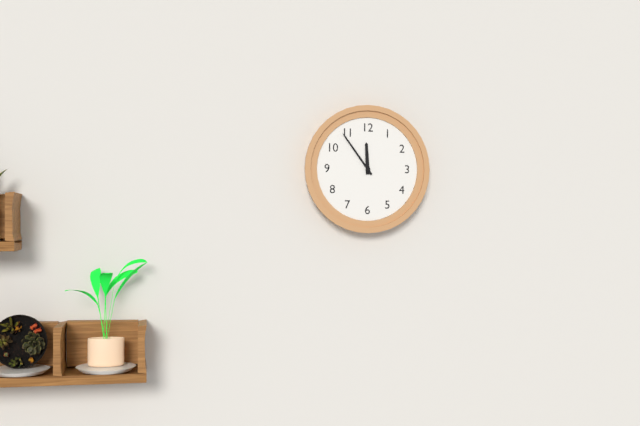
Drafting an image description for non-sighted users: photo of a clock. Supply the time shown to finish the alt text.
11:54
